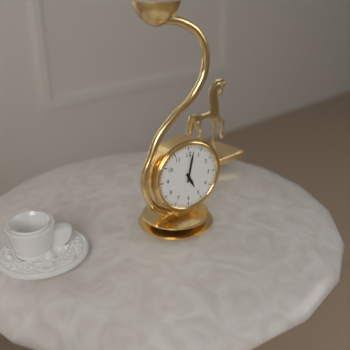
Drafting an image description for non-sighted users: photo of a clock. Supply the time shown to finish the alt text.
5:02
